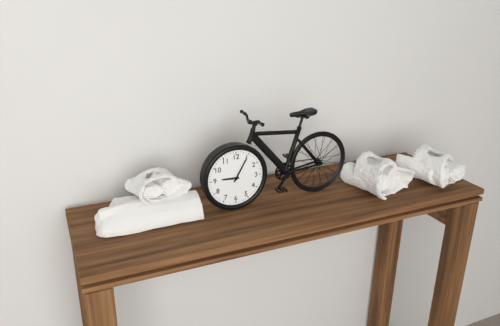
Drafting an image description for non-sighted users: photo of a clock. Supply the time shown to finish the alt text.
9:05
